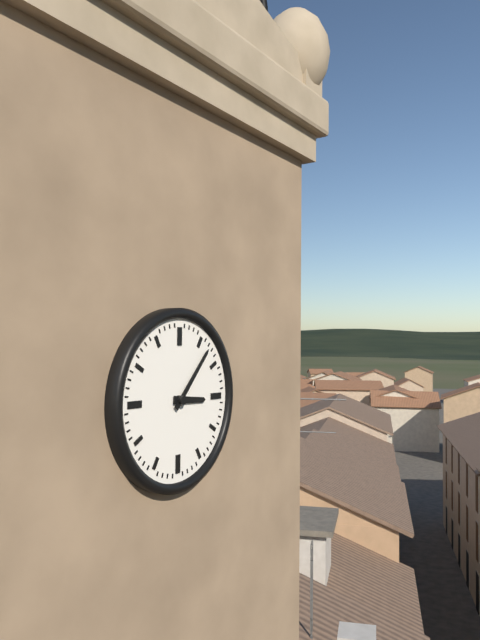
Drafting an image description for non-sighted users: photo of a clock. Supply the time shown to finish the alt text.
3:07
